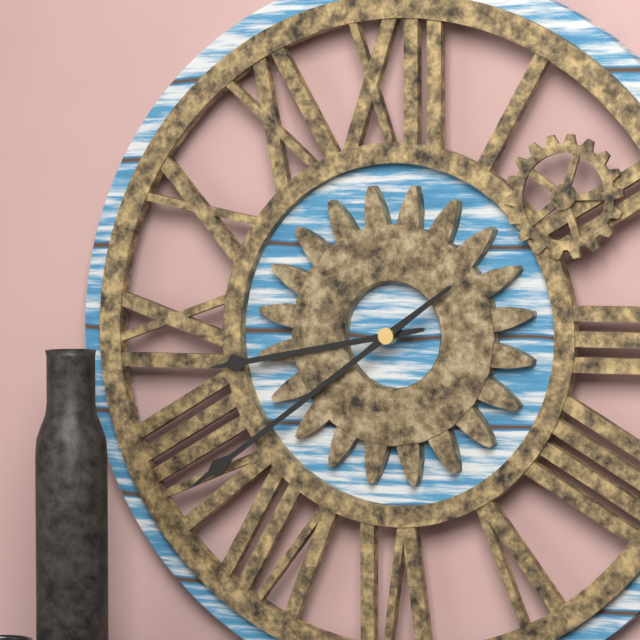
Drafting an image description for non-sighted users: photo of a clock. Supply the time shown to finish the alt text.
8:39
